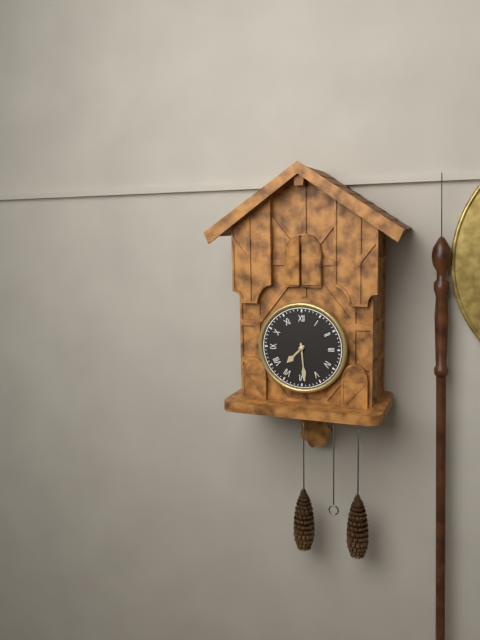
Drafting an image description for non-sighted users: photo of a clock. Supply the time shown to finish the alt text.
7:29
